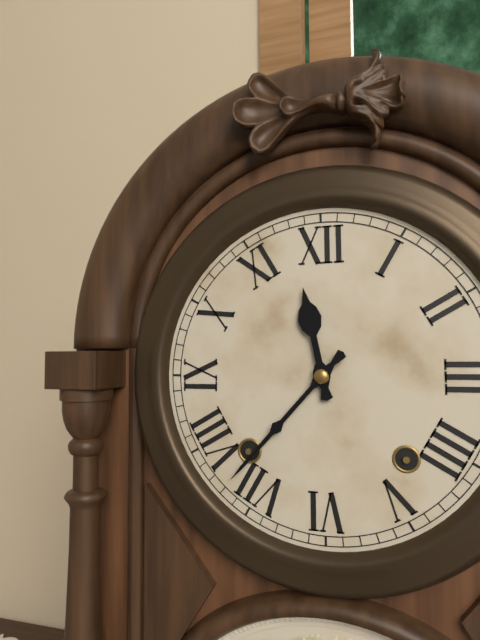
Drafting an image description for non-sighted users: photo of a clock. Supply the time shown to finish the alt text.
11:37
